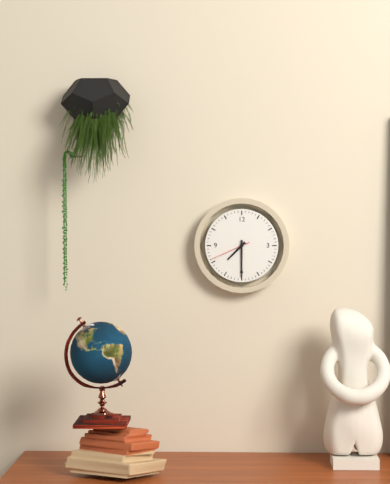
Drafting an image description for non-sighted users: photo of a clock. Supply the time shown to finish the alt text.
7:30
